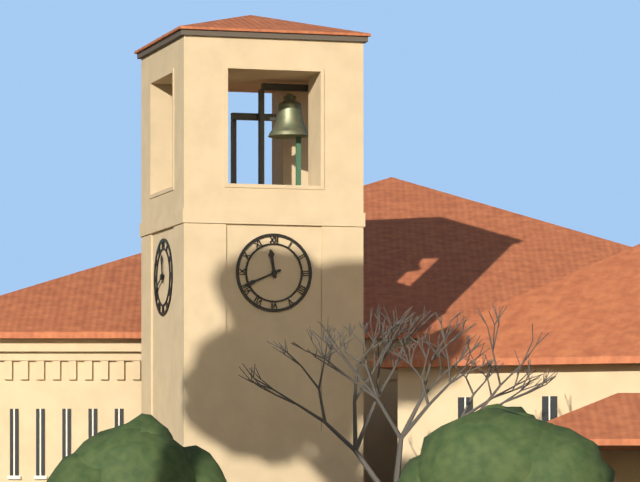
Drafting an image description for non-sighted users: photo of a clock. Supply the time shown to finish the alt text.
11:41
